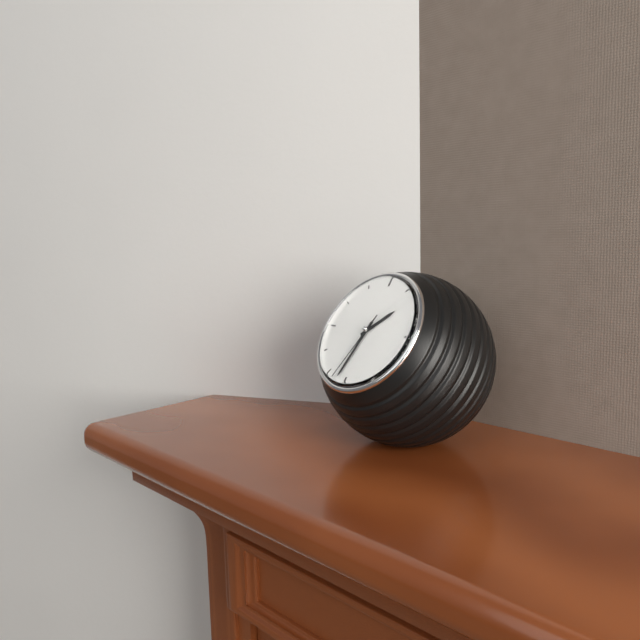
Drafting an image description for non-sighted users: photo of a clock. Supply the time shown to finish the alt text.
1:32:33
